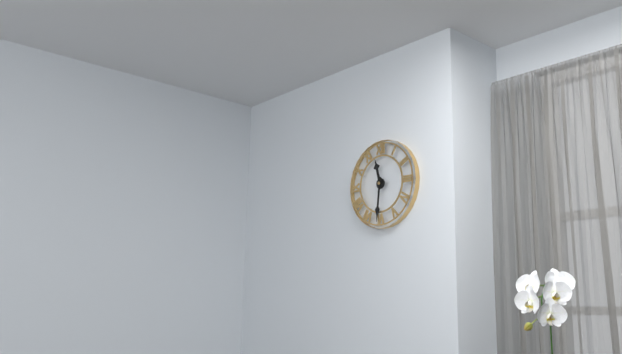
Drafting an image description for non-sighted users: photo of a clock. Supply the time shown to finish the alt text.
11:31
